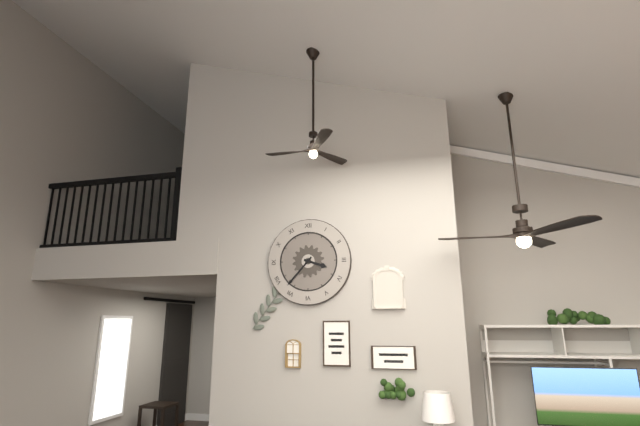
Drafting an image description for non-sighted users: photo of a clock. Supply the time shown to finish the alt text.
3:37
